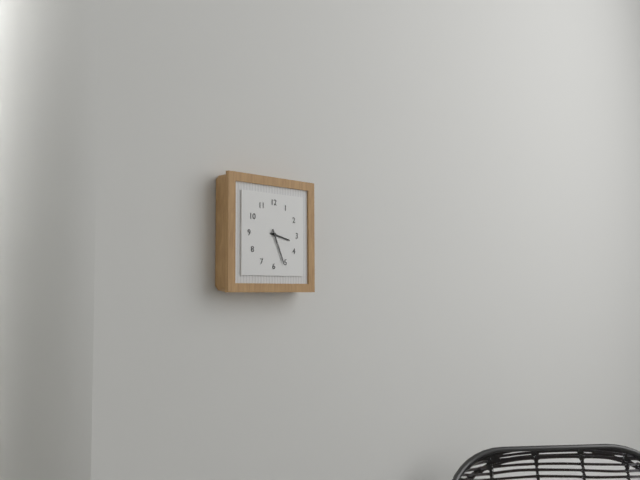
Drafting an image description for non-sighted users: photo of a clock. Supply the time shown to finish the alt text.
3:26
